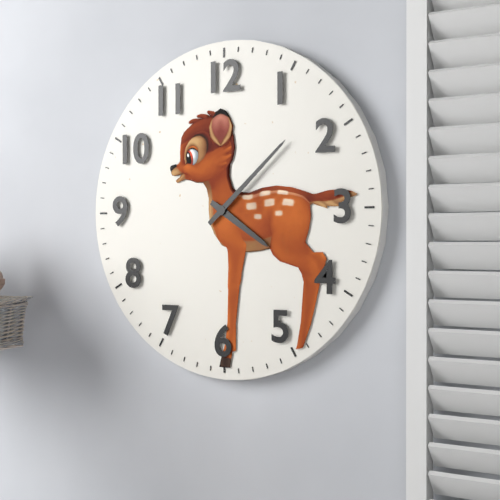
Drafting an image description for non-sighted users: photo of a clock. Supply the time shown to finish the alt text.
4:08
